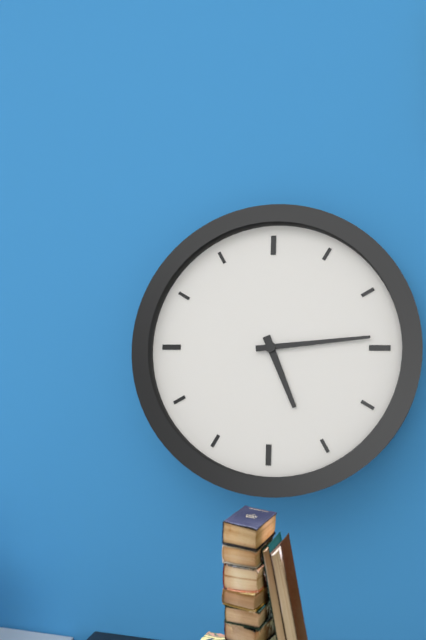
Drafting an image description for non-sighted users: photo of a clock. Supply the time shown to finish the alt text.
5:14
